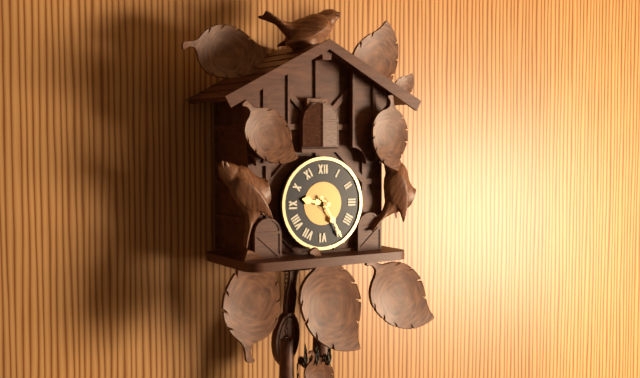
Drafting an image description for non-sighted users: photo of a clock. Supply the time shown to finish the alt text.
9:25
